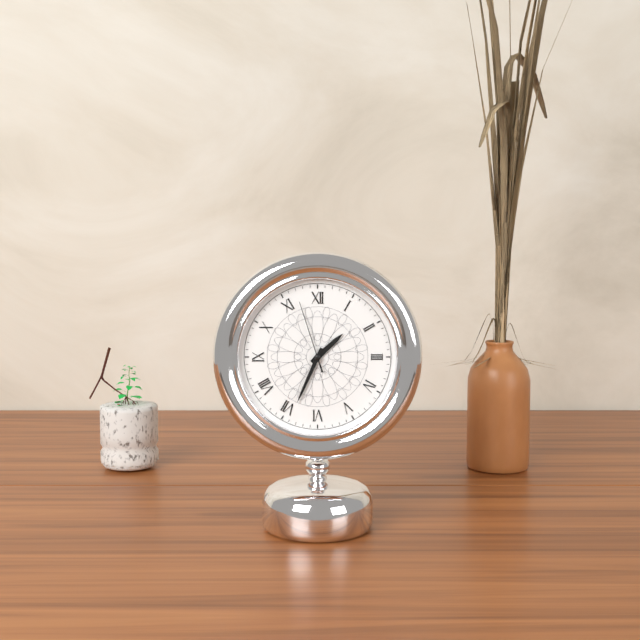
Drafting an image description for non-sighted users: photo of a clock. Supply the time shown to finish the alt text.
1:34:57
